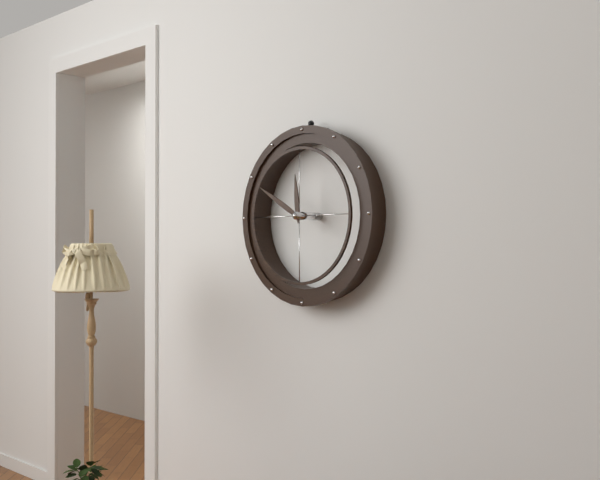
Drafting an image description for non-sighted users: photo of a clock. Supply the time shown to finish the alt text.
11:50
